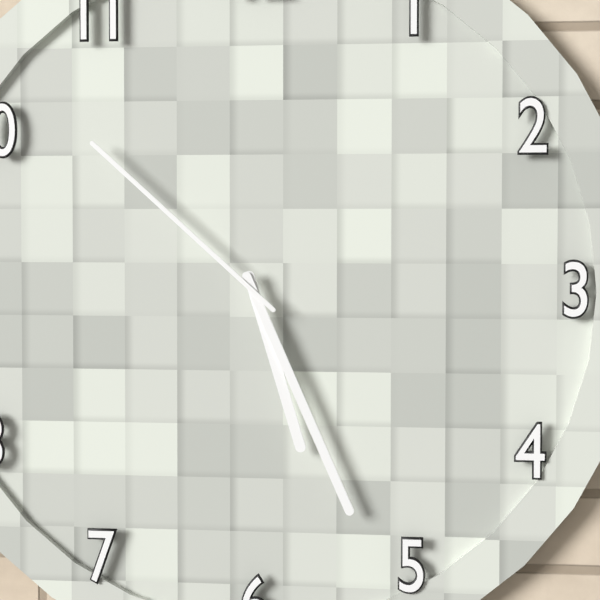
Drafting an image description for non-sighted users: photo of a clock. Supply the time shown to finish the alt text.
5:26:52
